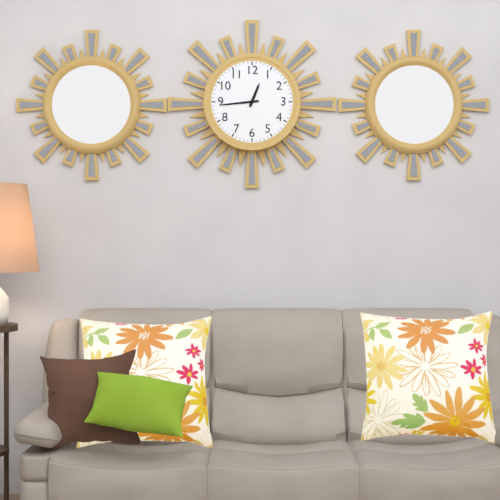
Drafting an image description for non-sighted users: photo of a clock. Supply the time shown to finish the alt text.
12:44
